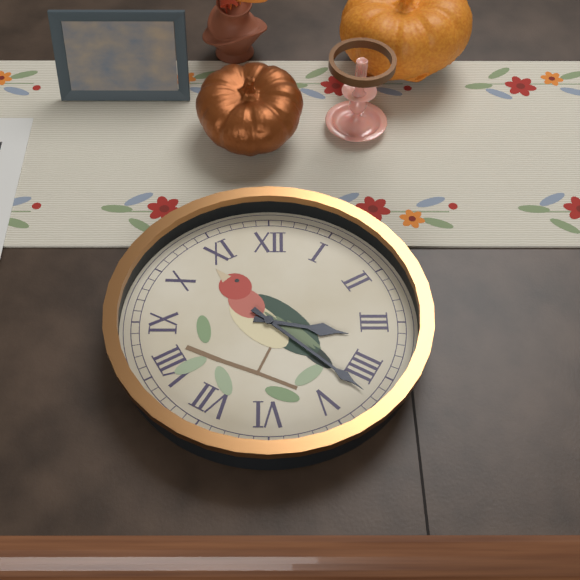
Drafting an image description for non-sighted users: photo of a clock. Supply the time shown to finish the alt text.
3:22
